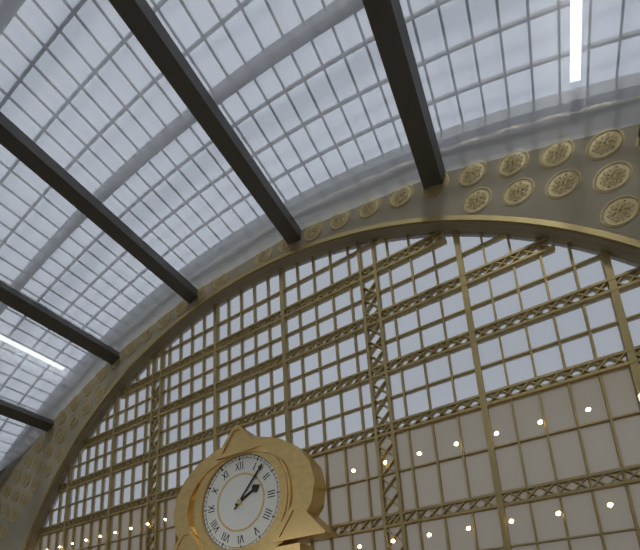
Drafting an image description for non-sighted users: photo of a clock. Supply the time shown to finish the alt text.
2:07
